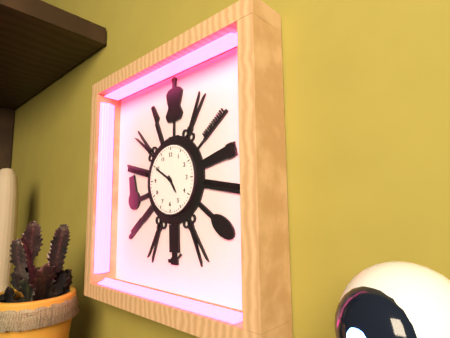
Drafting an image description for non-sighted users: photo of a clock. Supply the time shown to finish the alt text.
4:50
